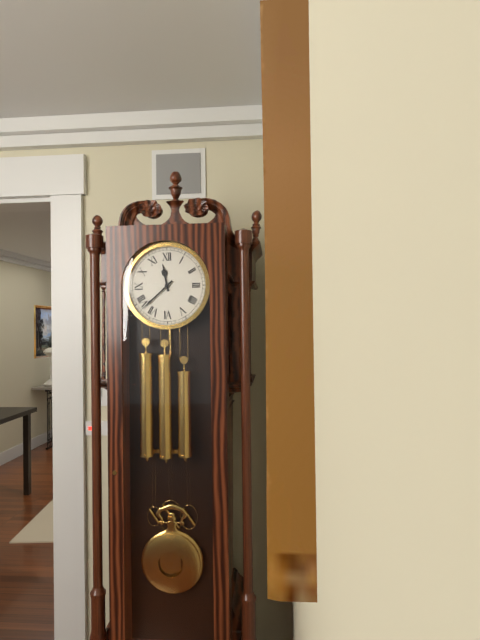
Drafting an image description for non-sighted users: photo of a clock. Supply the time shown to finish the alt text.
11:38
